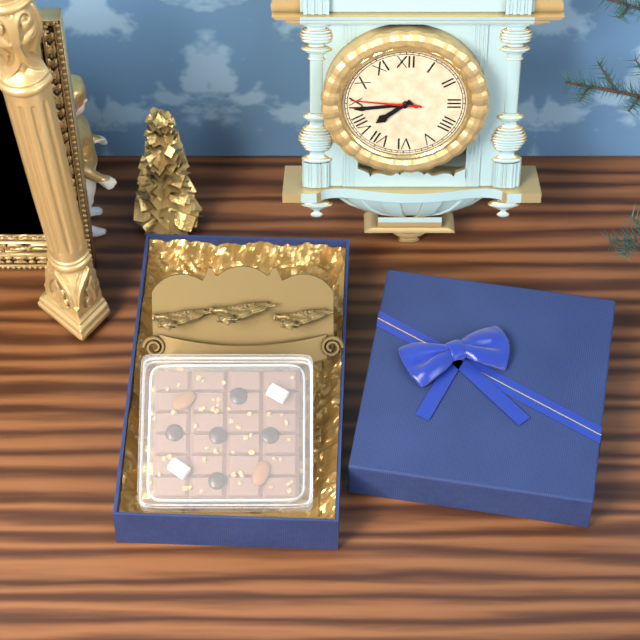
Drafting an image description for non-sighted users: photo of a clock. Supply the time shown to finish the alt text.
7:44:46
